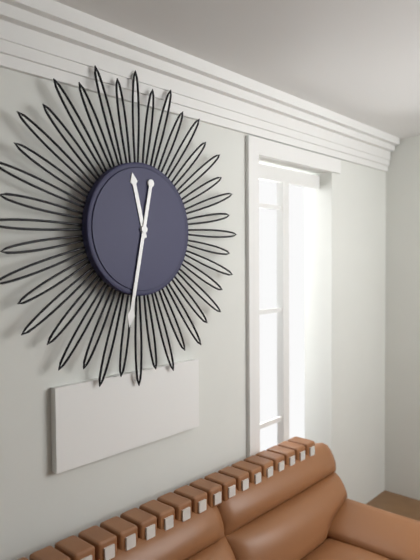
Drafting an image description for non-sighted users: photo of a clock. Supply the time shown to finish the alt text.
11:32
